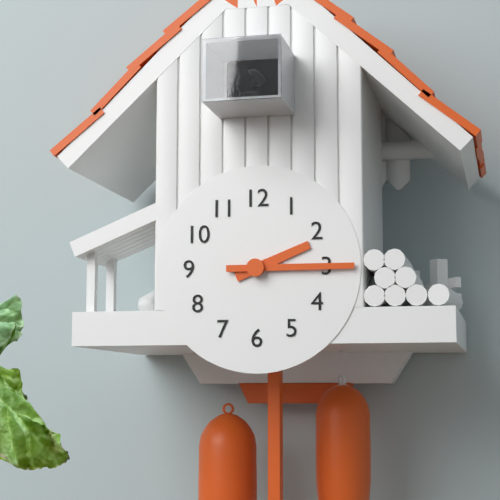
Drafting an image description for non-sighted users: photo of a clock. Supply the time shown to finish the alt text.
2:15
